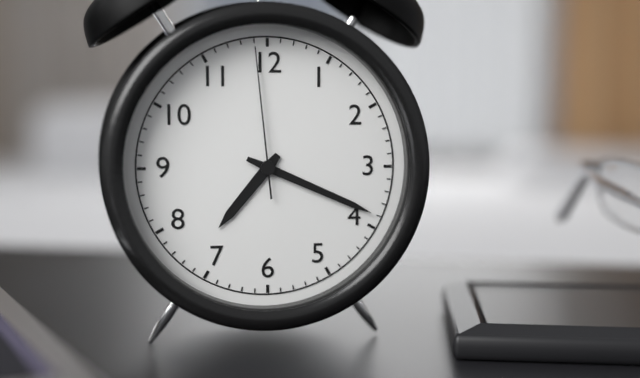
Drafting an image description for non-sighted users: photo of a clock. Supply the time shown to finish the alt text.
7:19:59
